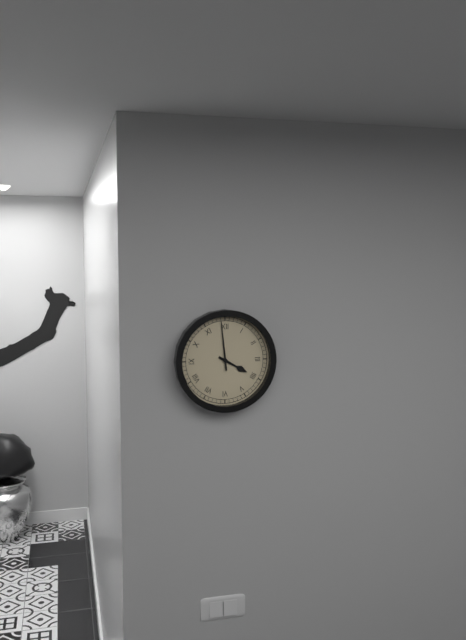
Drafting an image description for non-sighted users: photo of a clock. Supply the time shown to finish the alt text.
3:59
